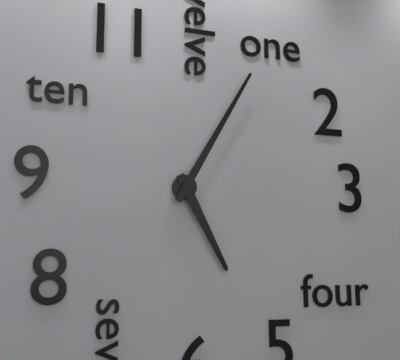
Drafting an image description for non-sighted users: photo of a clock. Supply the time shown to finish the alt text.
5:05
